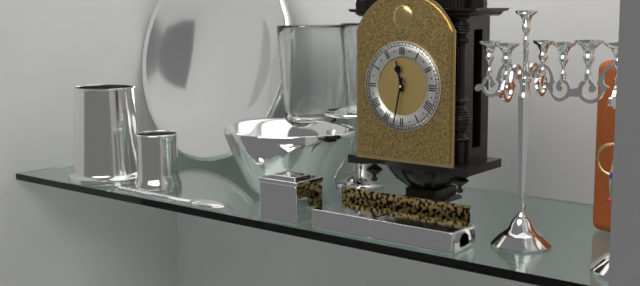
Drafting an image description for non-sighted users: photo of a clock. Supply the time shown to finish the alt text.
11:32
